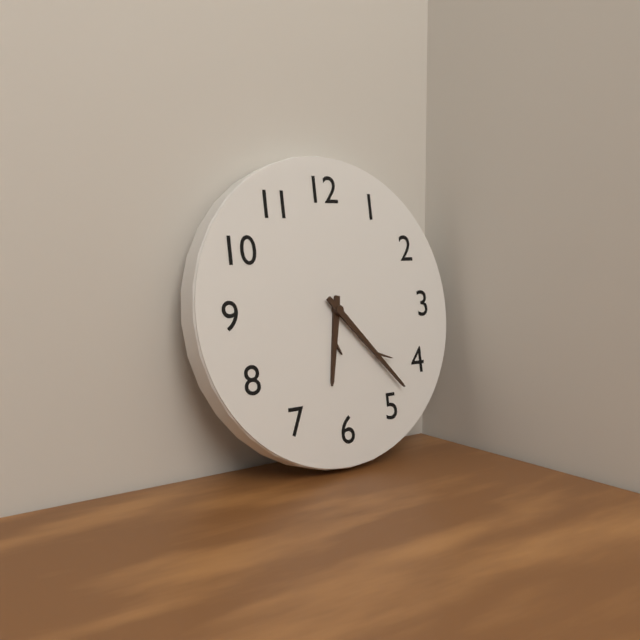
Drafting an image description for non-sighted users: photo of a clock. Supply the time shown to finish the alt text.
6:23
